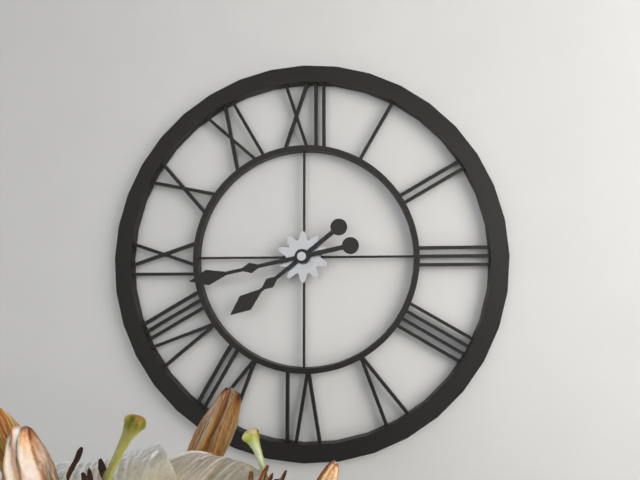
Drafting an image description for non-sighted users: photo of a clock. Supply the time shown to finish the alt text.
7:43
